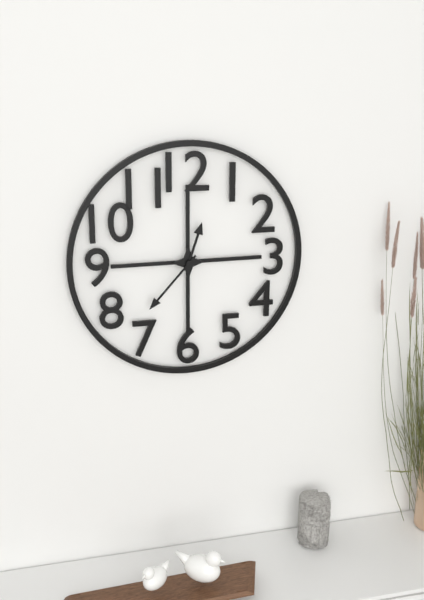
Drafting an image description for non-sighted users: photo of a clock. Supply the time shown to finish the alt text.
12:37
